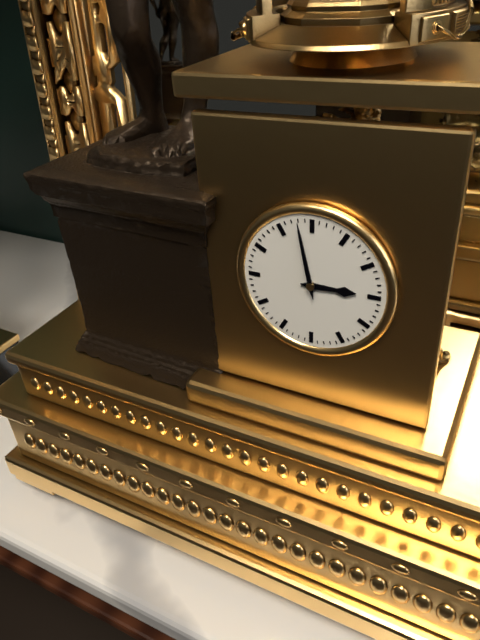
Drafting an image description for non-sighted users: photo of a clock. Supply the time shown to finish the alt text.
2:58
